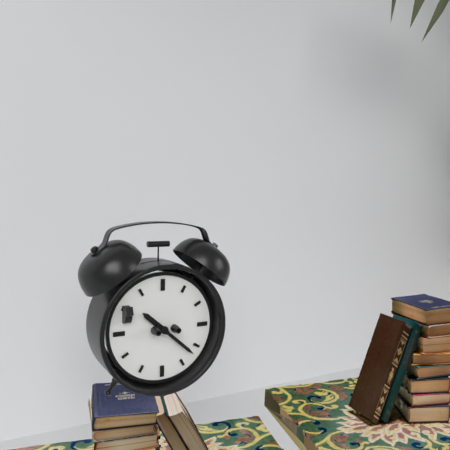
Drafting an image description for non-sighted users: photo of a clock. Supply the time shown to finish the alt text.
10:22
